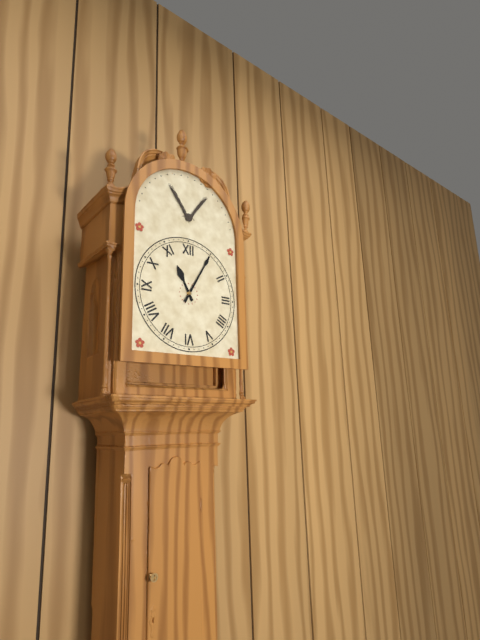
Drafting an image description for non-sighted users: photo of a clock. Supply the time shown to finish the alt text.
11:05
